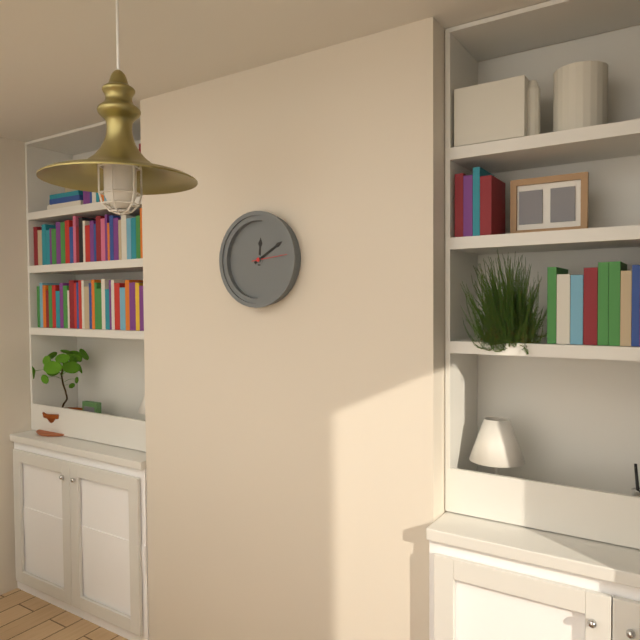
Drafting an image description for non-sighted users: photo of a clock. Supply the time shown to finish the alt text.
12:10
